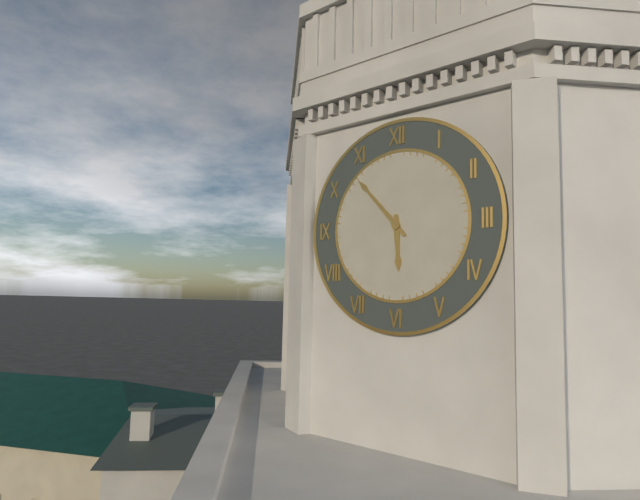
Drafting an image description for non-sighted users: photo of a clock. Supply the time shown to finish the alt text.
5:53
